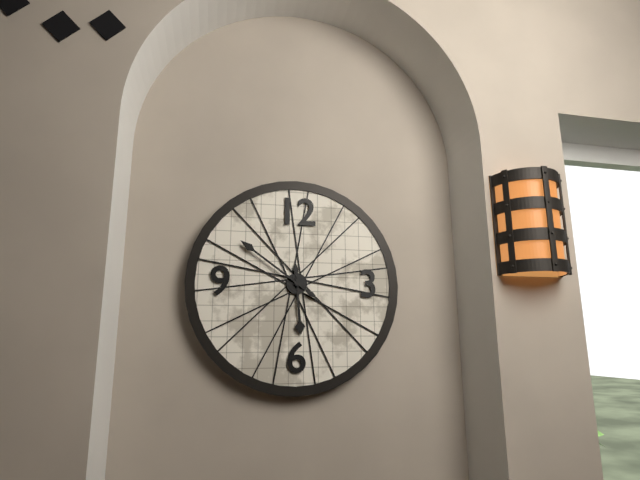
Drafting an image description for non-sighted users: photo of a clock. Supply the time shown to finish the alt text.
5:51
